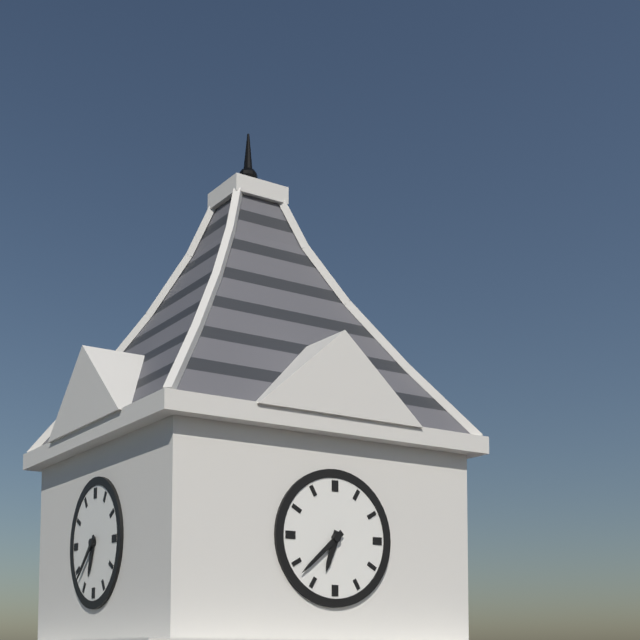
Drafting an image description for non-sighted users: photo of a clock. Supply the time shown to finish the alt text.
6:38
